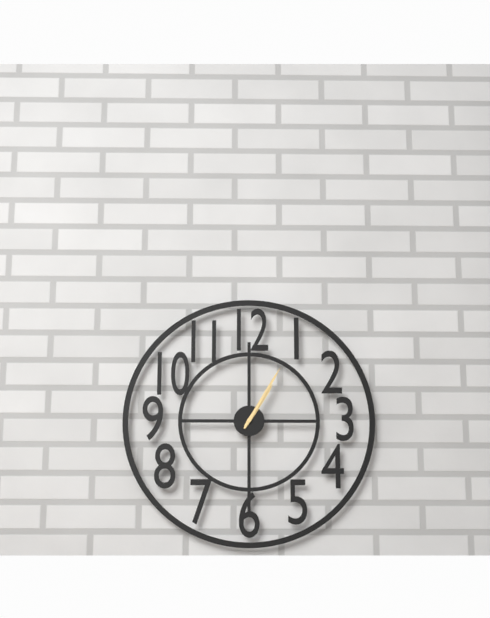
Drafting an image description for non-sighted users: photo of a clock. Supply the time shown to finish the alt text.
1:05
